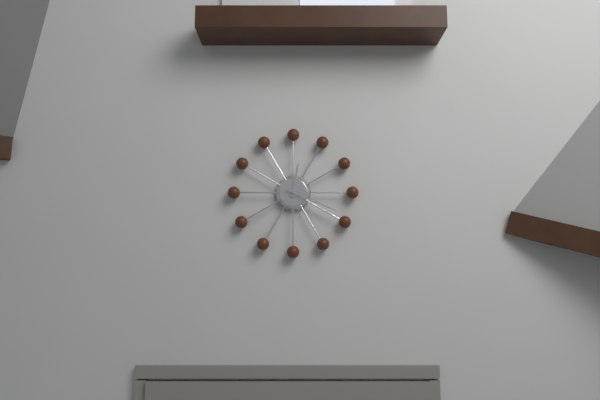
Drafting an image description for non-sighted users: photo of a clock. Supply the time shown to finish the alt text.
12:19
